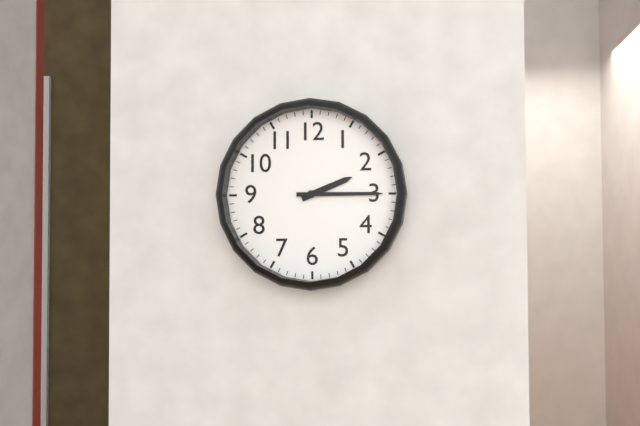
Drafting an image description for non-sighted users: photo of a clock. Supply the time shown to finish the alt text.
2:15
